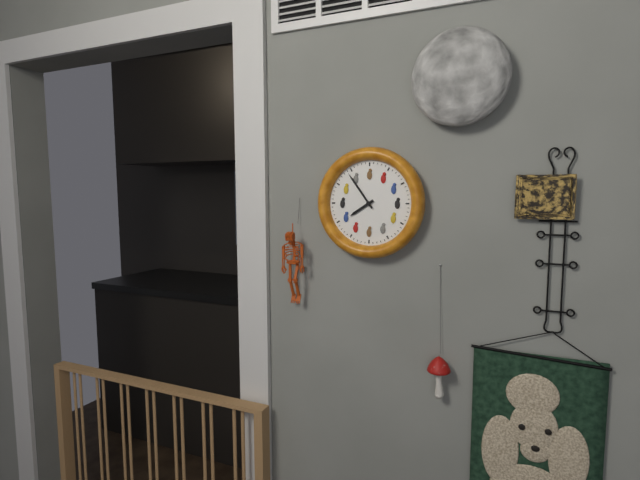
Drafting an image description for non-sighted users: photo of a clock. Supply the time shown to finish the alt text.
7:54
